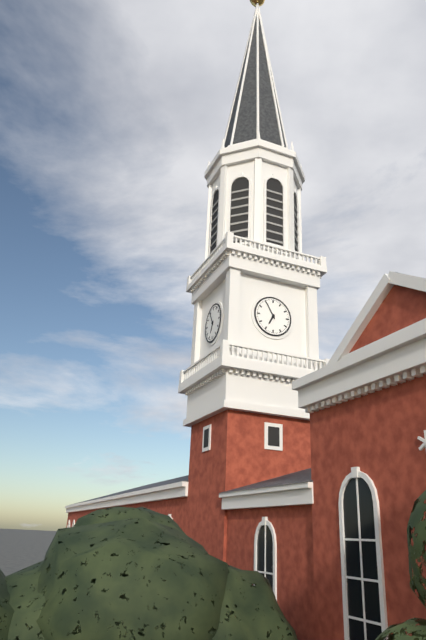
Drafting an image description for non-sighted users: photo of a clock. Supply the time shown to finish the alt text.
6:55
